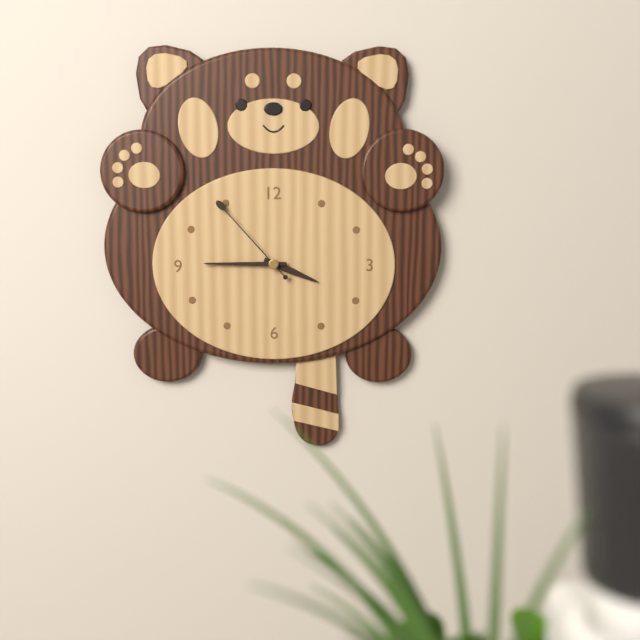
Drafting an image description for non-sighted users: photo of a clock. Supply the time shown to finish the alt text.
3:45:53
